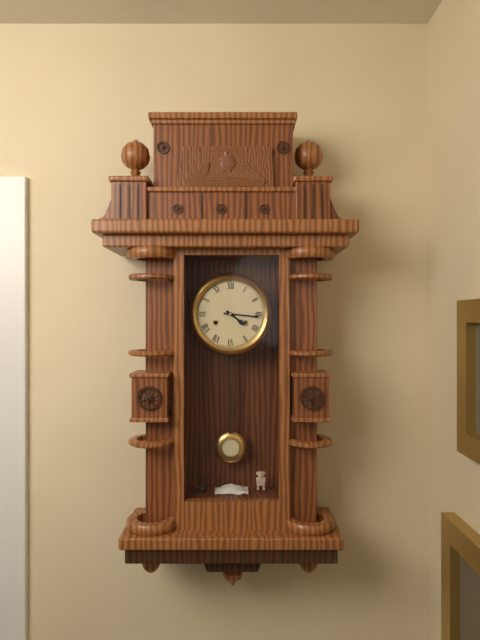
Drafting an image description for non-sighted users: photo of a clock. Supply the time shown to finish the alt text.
4:16
